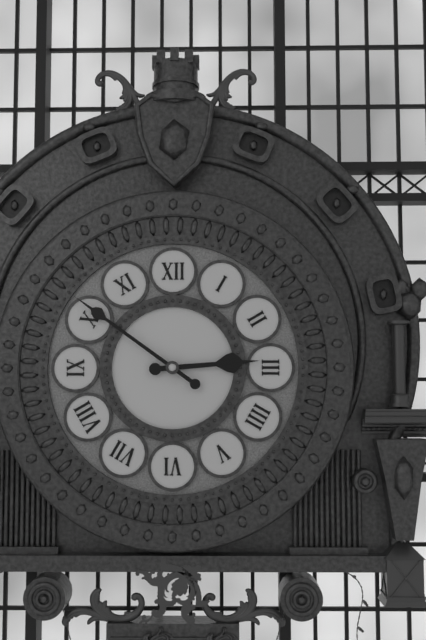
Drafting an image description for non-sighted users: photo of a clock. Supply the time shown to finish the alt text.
2:51
